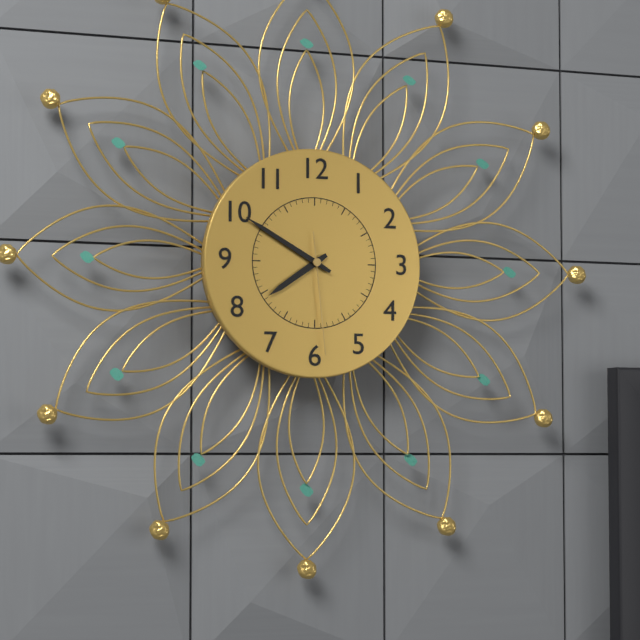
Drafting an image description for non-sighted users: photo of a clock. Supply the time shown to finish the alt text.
7:50:29
